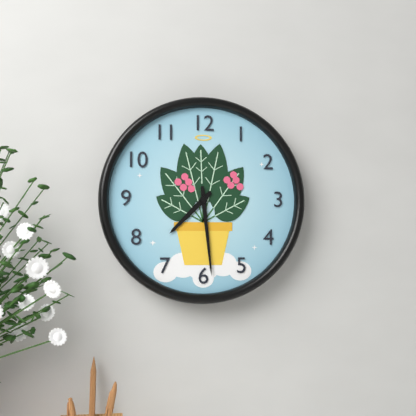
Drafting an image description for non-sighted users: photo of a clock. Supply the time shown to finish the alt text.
7:29
